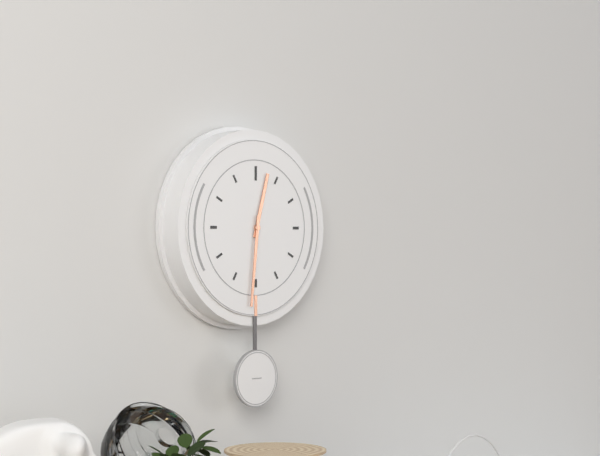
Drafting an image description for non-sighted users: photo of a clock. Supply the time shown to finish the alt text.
12:31
